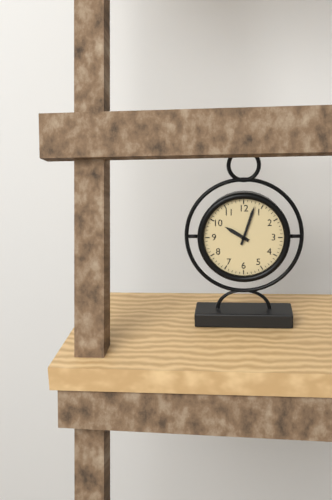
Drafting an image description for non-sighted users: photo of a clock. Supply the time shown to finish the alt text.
10:03
